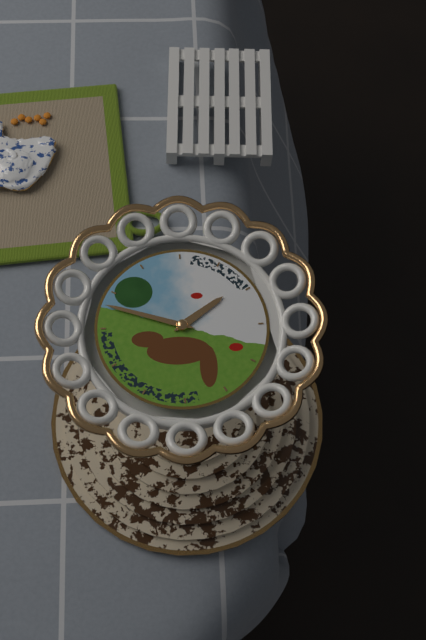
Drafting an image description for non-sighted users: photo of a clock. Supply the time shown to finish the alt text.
1:48
